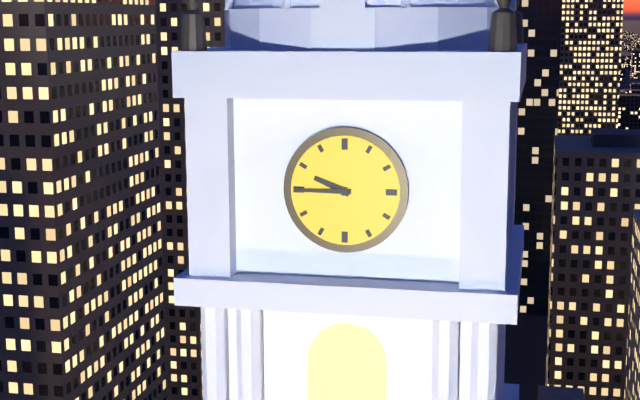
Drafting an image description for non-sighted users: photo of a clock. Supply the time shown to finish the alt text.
9:45
